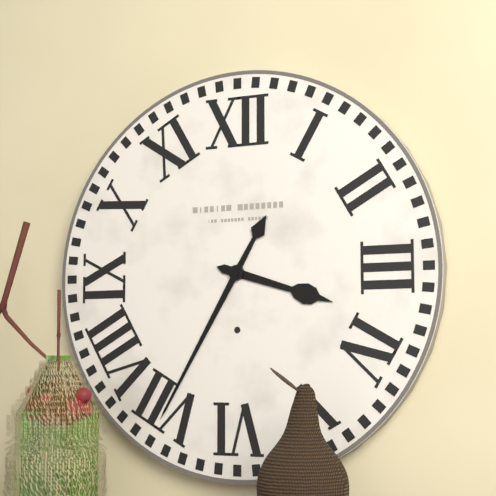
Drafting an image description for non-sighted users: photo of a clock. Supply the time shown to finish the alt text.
3:35
